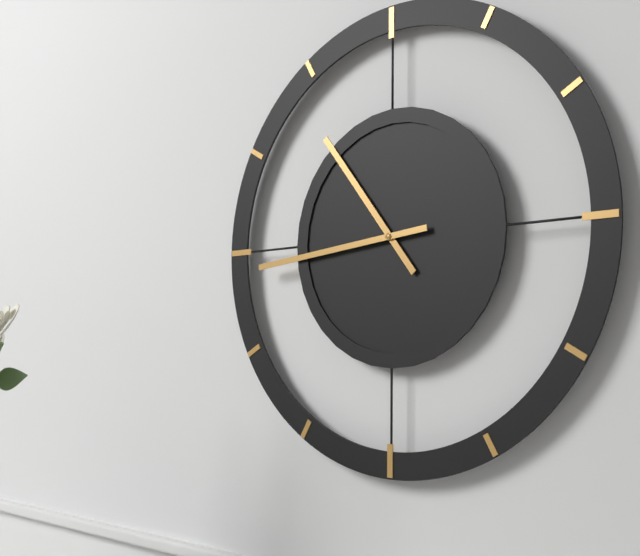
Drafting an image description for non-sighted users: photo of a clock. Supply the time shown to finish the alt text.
10:44
